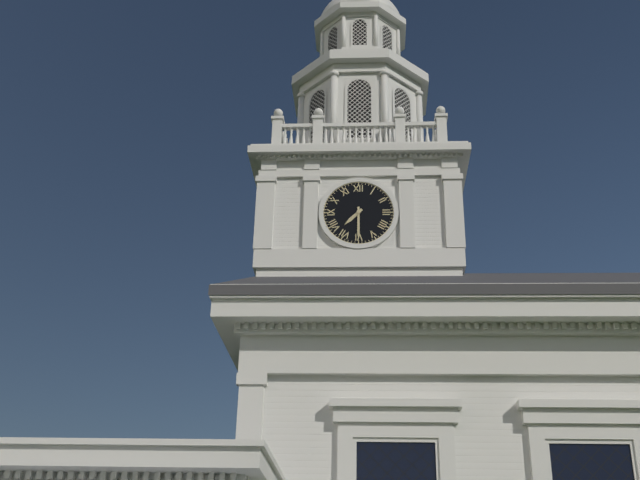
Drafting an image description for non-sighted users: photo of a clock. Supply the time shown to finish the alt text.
7:30
